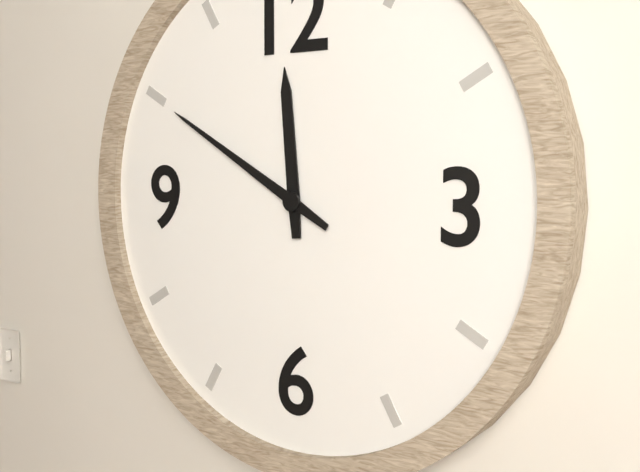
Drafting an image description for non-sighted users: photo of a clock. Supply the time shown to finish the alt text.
11:50
